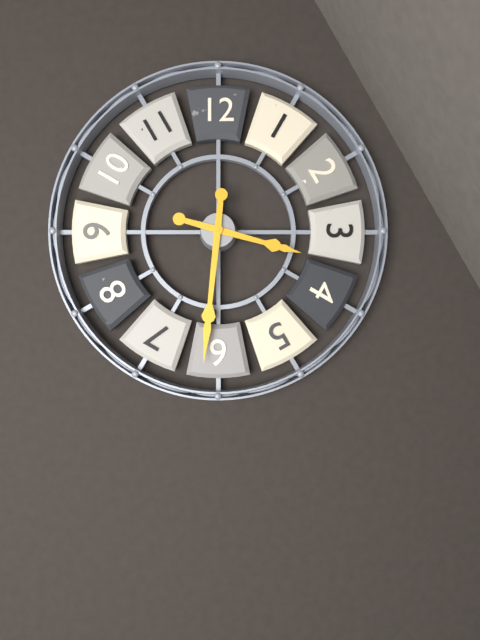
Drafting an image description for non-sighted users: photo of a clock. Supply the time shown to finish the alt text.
3:31
